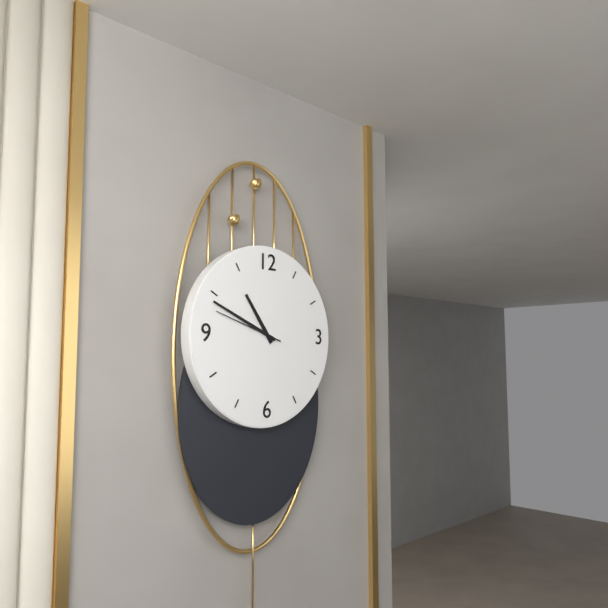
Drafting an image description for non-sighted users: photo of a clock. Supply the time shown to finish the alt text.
10:49:48
